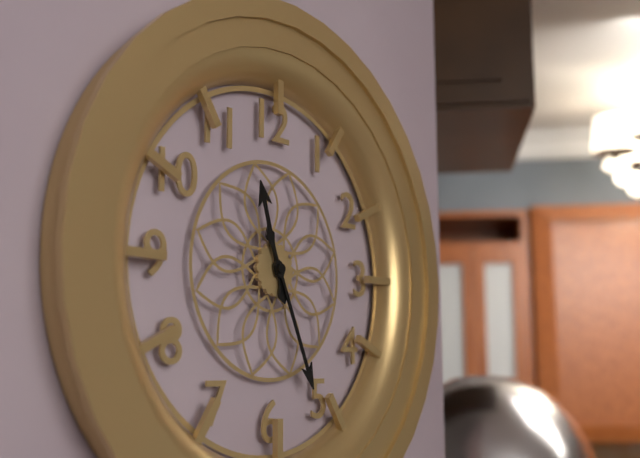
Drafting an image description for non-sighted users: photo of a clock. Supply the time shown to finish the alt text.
11:26
